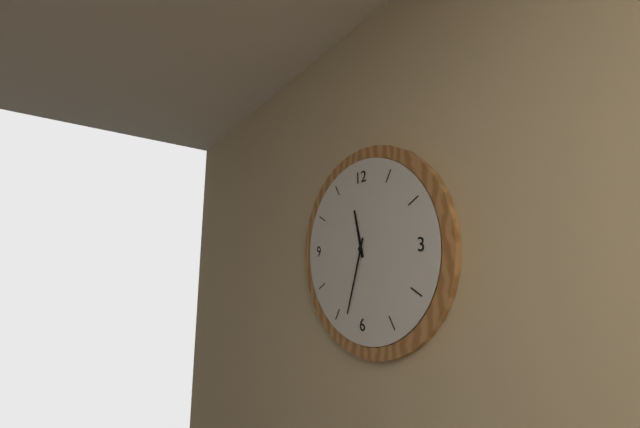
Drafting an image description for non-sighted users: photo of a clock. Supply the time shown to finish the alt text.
11:33
